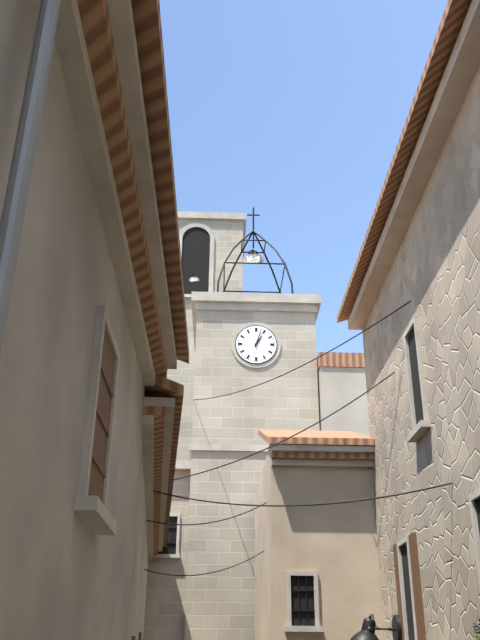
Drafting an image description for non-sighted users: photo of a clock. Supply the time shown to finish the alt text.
1:03
